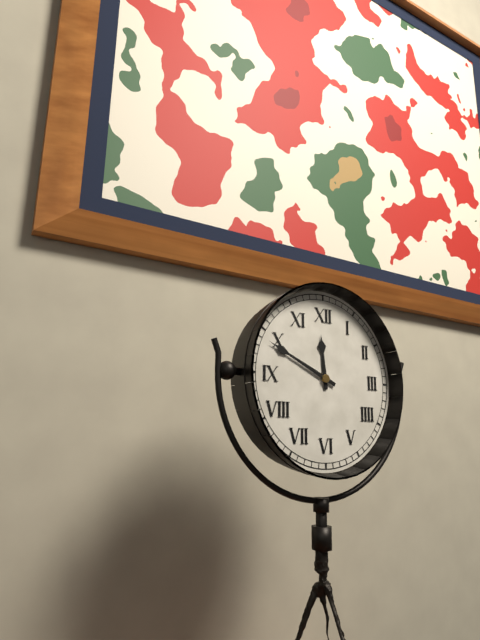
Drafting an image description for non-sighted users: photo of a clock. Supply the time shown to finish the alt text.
11:49
